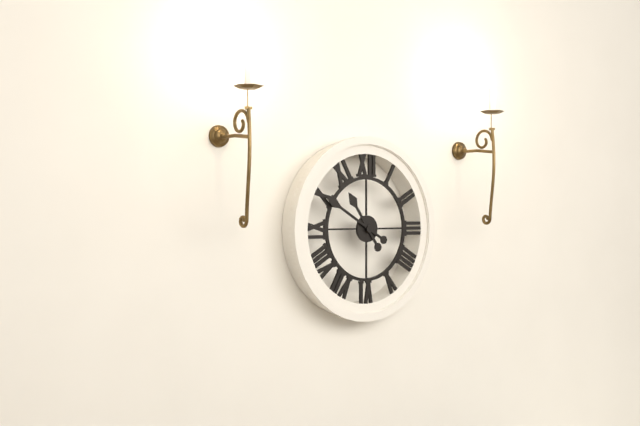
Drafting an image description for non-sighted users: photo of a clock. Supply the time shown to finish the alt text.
10:50
